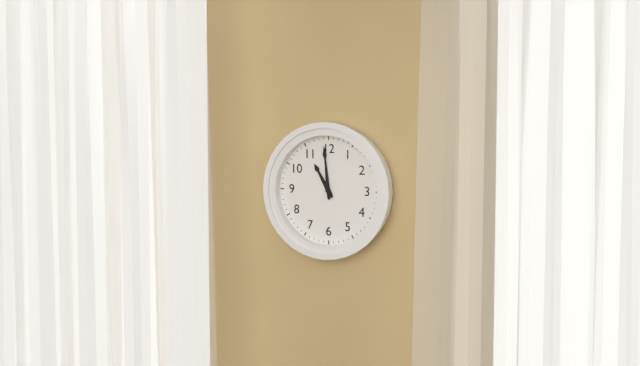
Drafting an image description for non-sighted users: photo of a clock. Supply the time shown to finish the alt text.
10:59
